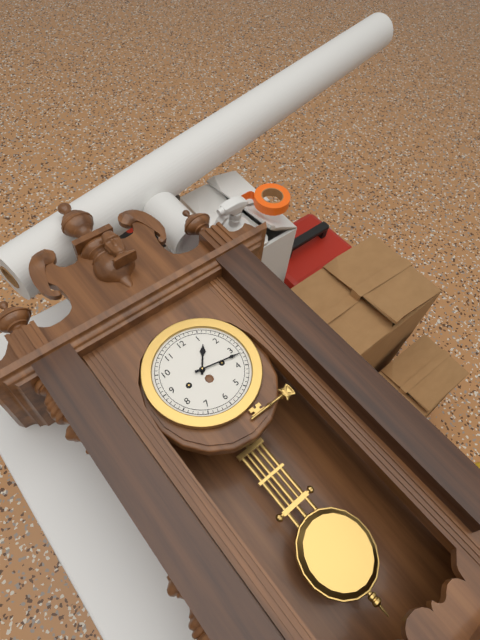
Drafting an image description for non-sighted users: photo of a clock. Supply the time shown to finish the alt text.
1:17
